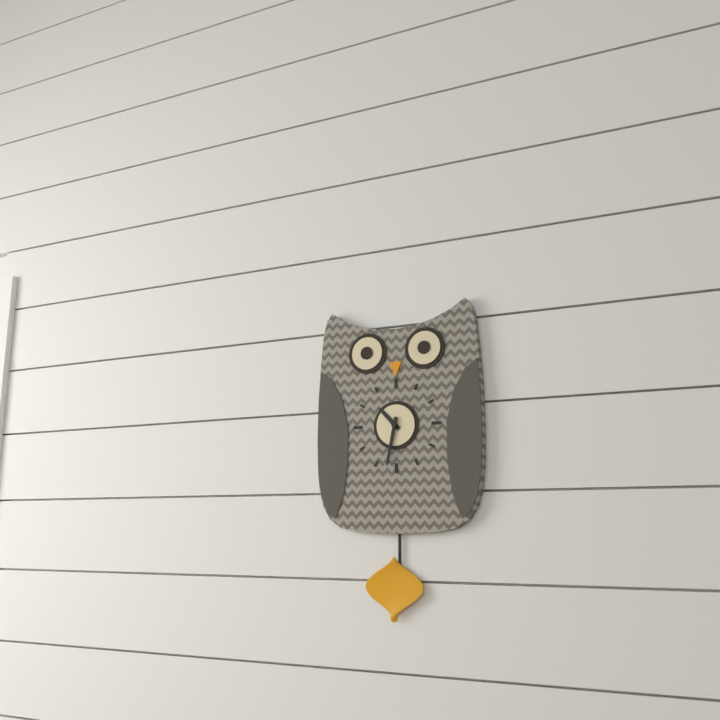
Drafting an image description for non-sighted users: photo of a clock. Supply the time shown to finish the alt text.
10:32
